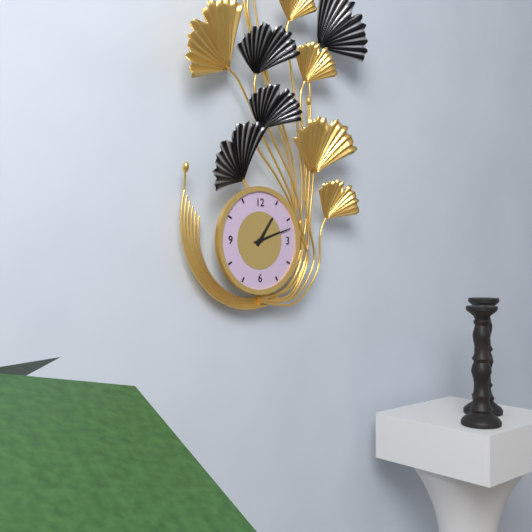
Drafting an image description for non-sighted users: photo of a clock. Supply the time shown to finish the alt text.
1:12
